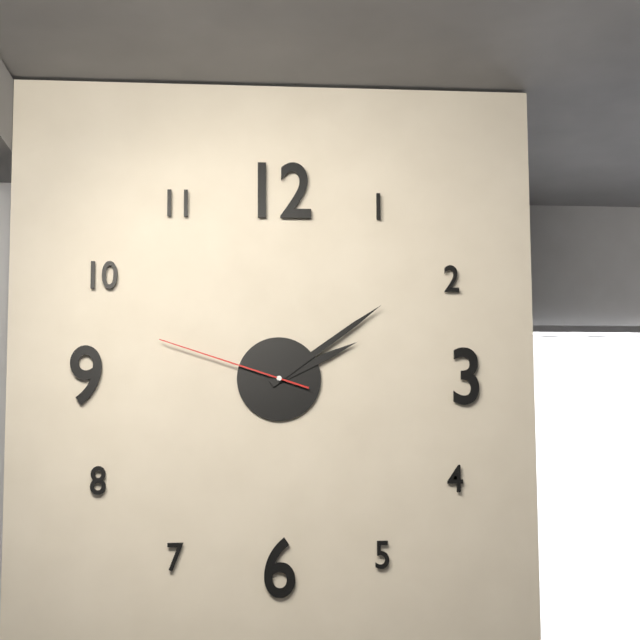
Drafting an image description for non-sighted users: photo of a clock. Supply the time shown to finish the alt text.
2:09:48
